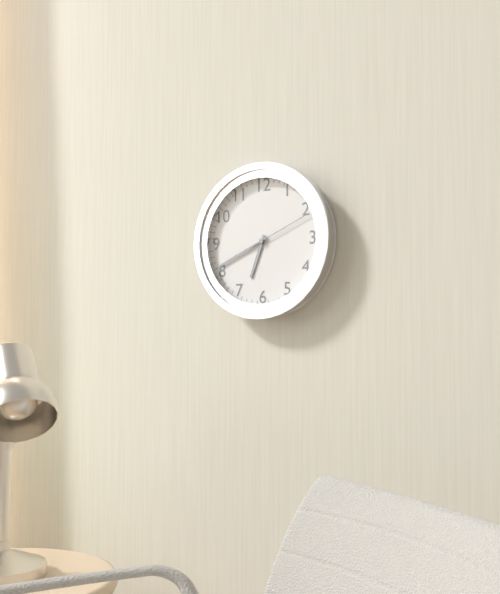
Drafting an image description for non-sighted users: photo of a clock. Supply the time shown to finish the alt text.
6:41:11
